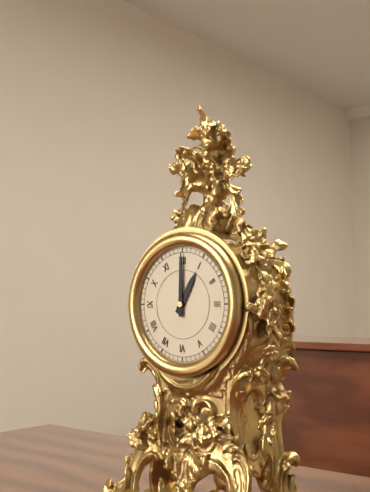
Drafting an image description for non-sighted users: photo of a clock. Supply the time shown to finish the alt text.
1:00
